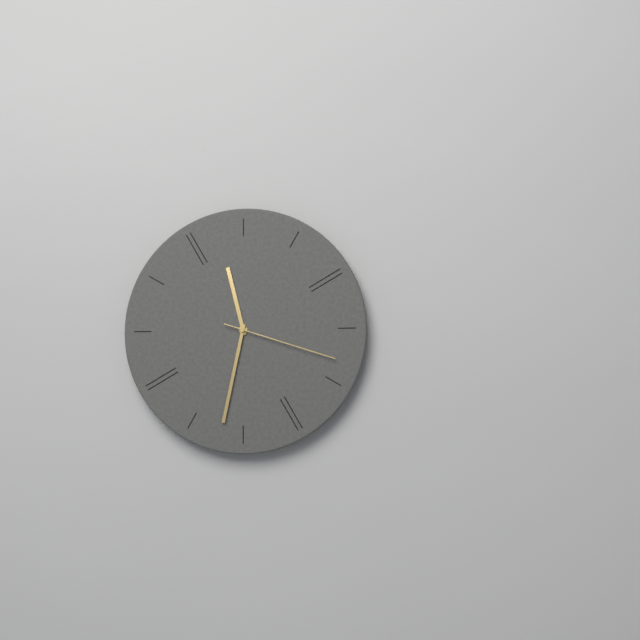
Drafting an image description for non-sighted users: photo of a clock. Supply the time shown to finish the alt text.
11:32:18
